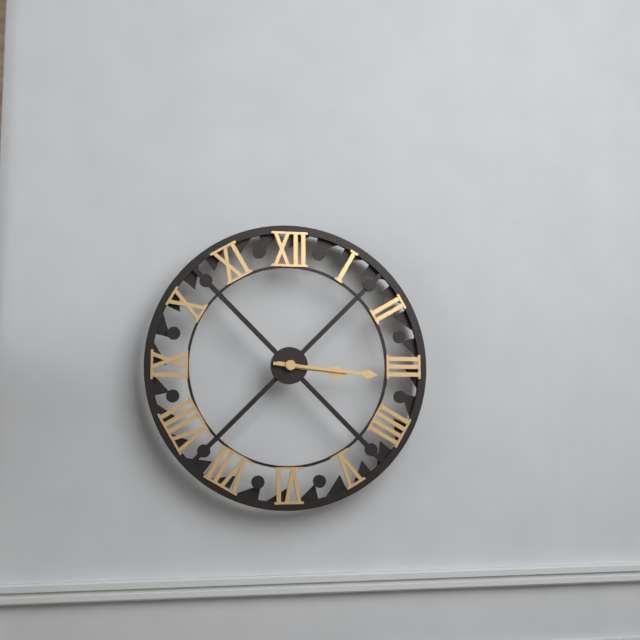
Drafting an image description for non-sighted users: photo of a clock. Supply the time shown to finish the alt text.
3:16
